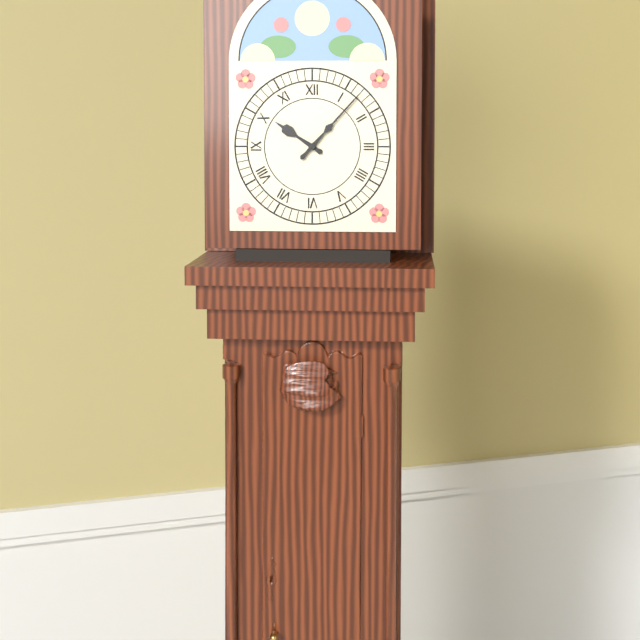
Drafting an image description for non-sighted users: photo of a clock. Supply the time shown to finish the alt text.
10:07
